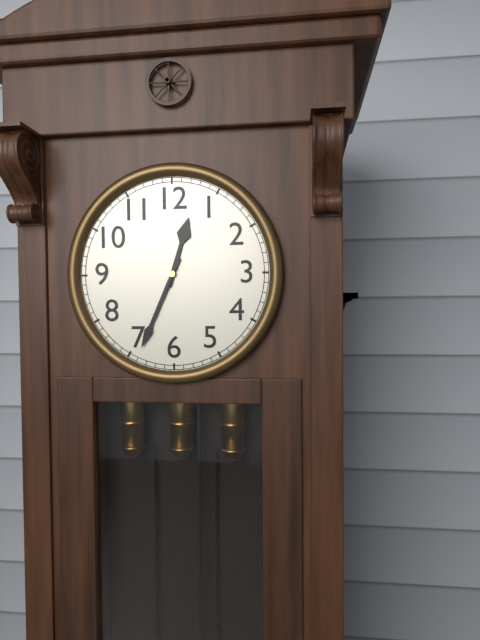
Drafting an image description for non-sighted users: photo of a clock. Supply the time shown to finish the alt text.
12:34
